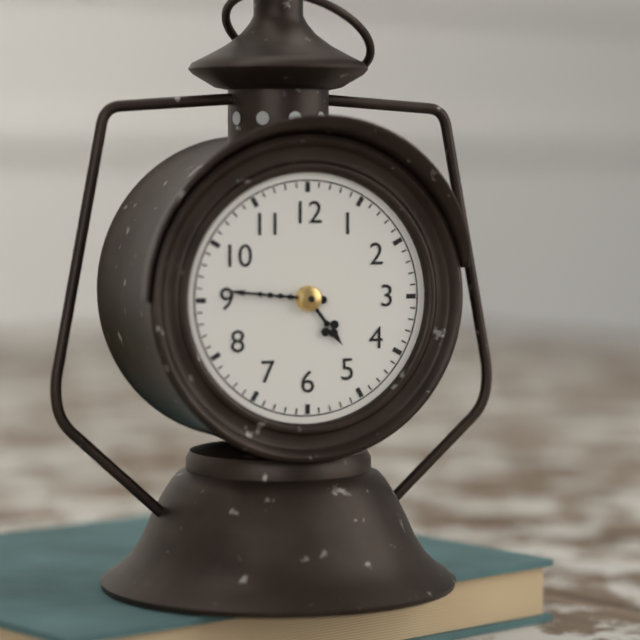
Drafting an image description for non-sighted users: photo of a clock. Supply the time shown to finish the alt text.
4:46
